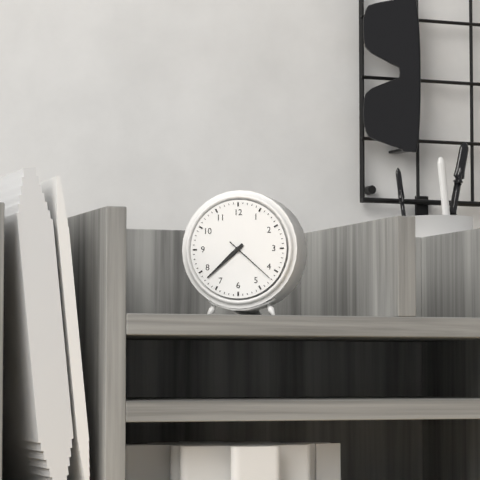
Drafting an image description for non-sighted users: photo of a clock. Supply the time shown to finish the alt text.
7:38:22
